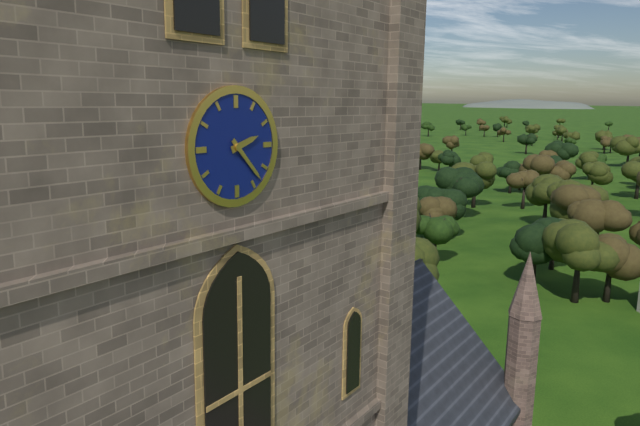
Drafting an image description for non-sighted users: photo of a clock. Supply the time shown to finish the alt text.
2:23
